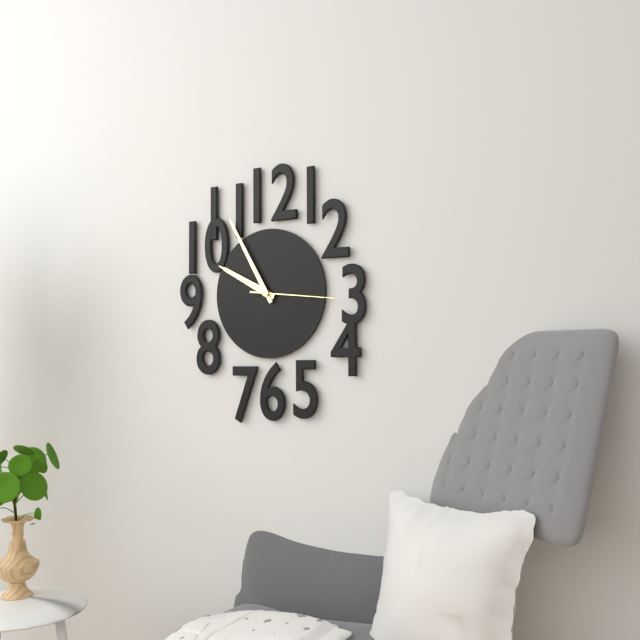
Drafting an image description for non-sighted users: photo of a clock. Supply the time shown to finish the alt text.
9:55:16
